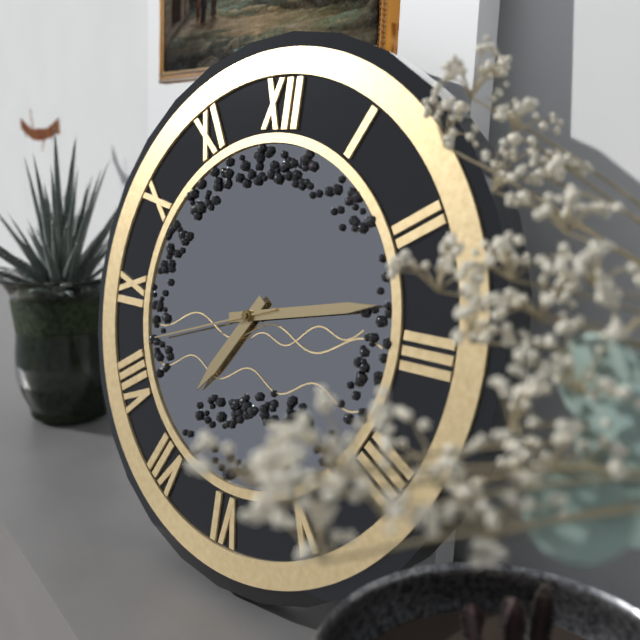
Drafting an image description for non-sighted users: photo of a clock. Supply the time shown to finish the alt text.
7:13:42
